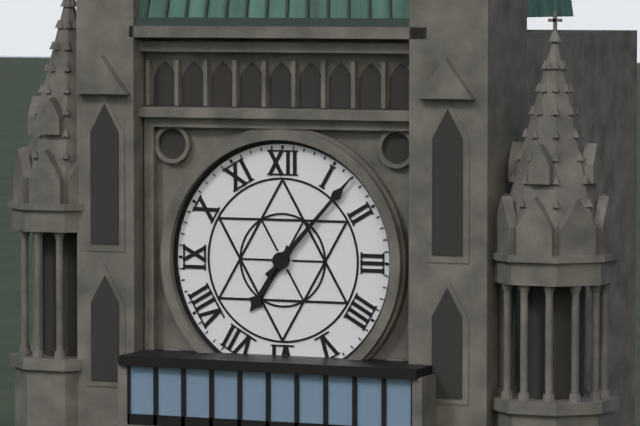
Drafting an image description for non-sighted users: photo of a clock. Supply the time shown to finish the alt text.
7:07
